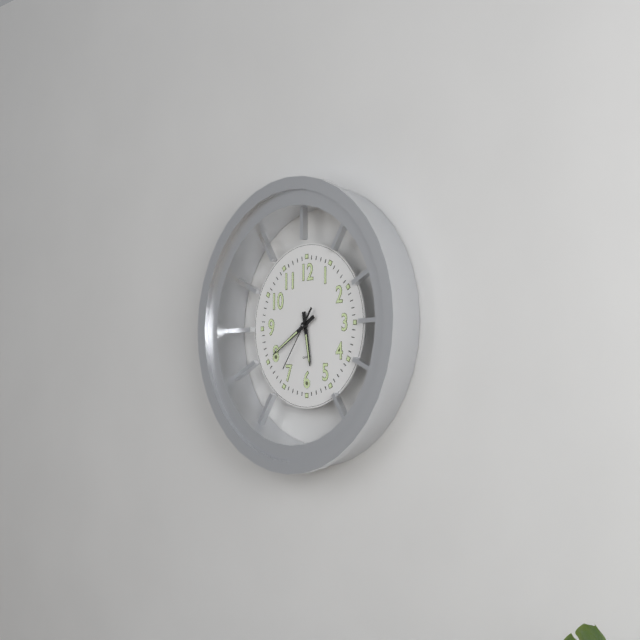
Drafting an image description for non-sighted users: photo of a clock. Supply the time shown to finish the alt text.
5:40:36
